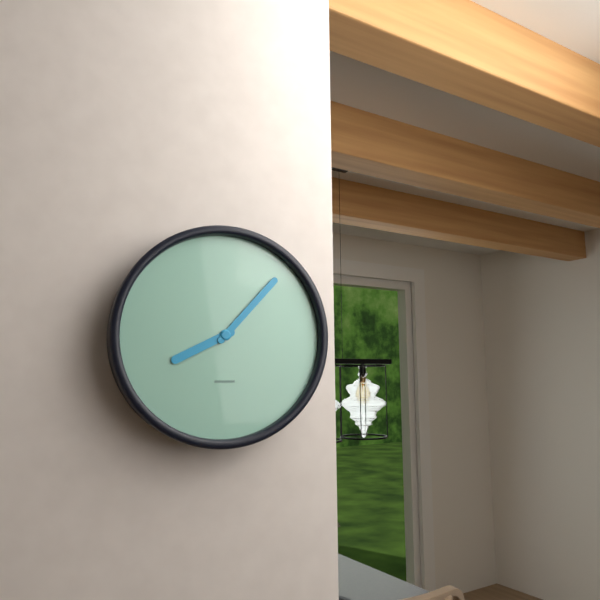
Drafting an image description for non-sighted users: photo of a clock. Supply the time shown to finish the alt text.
8:07
